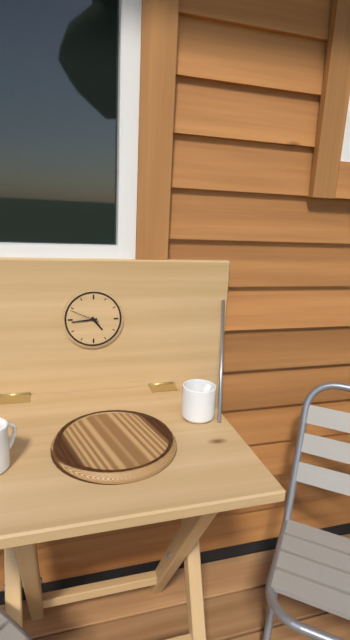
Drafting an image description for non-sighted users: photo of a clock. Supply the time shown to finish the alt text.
4:44
